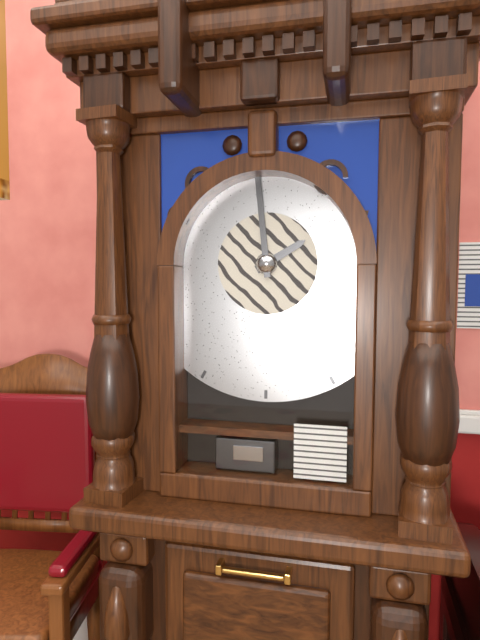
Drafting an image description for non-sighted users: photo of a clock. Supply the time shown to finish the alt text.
1:59
